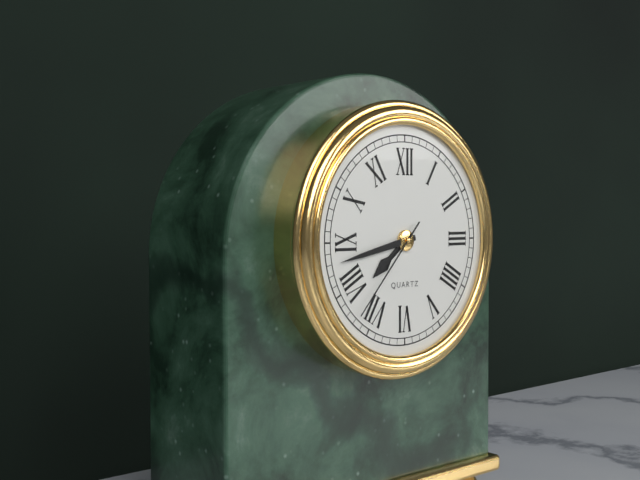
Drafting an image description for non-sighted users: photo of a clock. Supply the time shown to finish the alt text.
7:43:37
